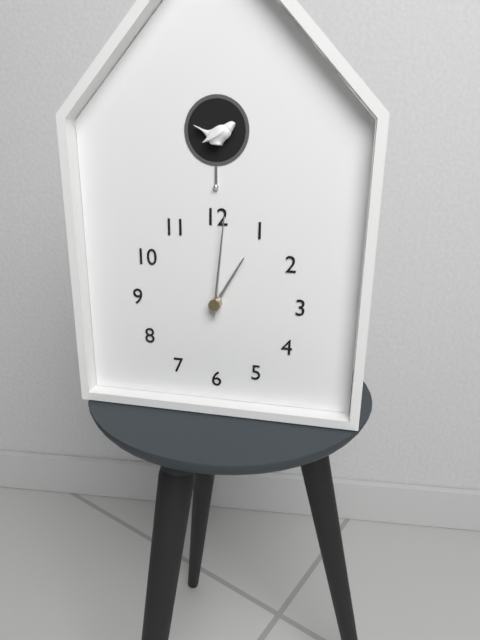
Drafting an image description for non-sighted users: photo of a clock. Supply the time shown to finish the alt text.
1:01
